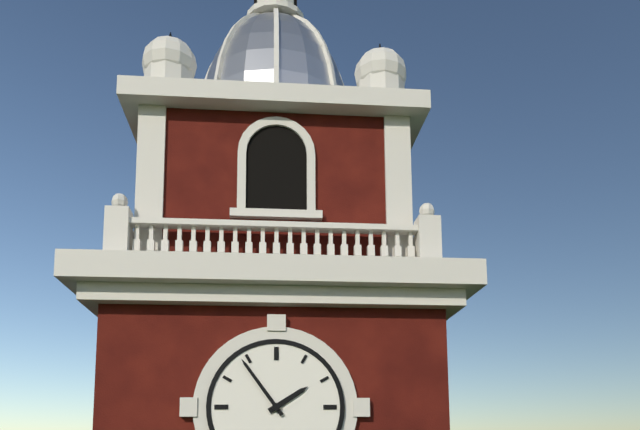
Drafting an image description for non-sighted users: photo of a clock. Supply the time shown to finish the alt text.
1:54
